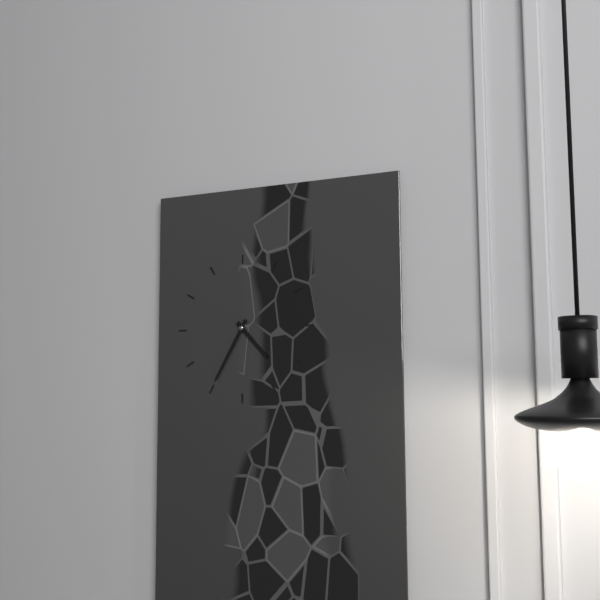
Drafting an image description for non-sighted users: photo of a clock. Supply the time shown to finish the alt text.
4:35
